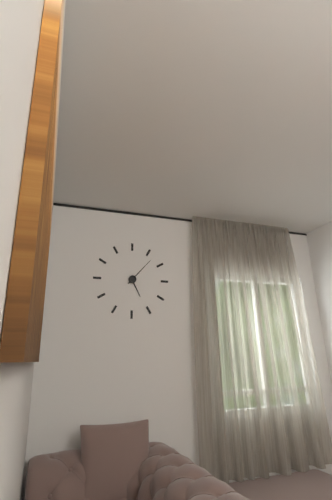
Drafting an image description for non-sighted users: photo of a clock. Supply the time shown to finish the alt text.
5:07
